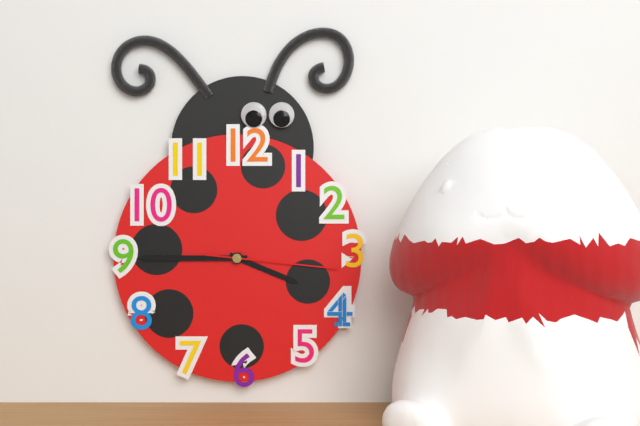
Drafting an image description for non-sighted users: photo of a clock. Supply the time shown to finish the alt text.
3:45:16
